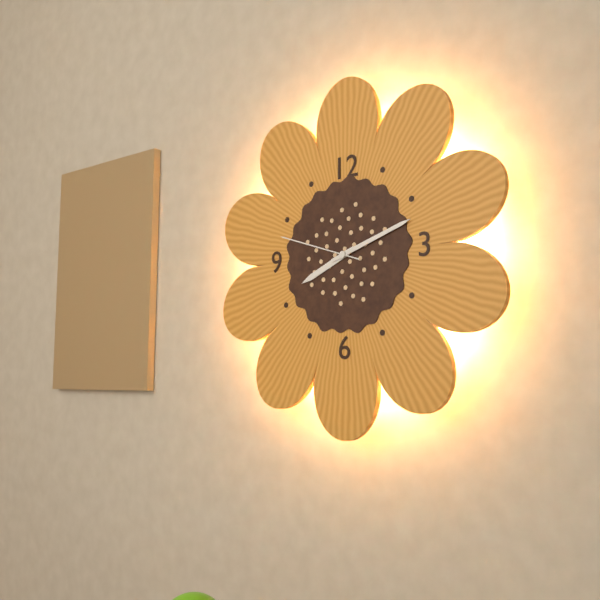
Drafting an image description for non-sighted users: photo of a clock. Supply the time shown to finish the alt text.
8:12:48
